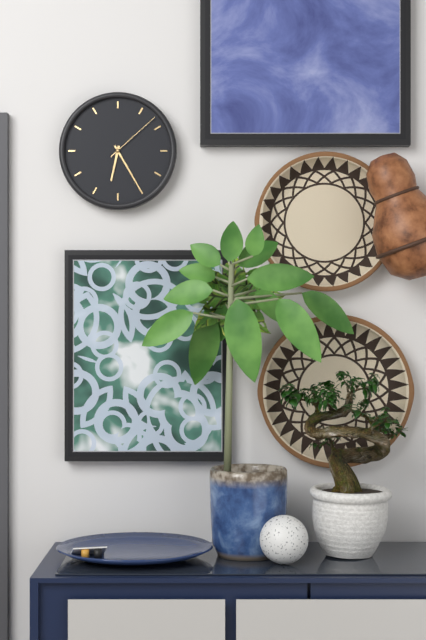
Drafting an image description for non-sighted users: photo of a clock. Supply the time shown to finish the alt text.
6:25:08
